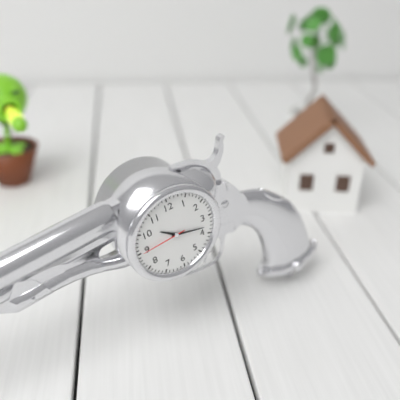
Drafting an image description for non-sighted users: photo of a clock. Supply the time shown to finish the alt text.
10:18
